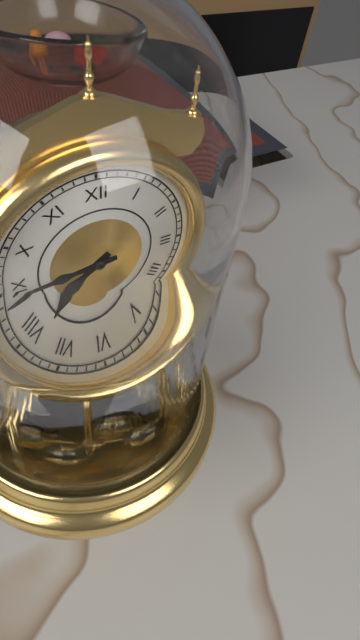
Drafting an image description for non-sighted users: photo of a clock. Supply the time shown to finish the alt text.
7:44
